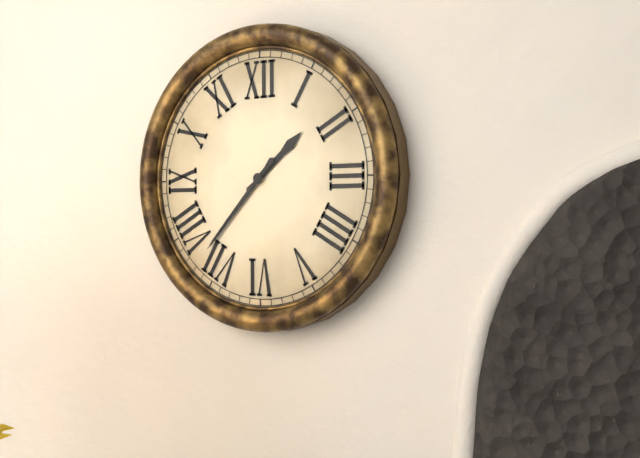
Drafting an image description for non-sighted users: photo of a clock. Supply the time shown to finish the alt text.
1:37
